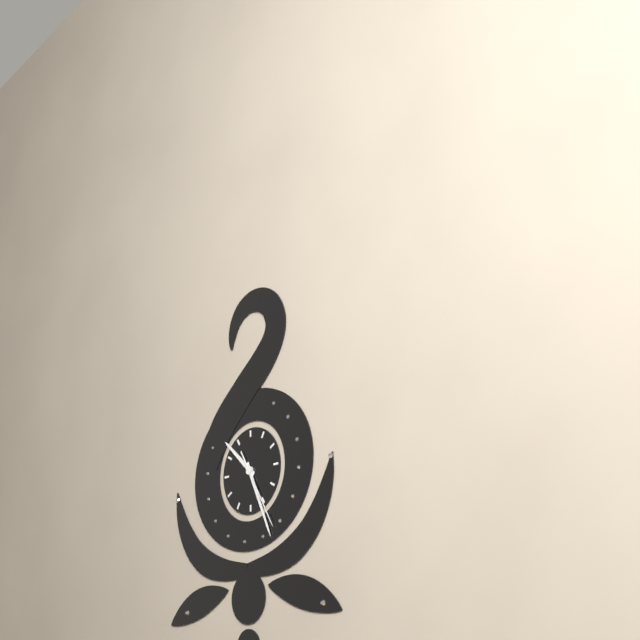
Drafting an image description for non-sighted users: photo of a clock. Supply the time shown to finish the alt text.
10:26:25
